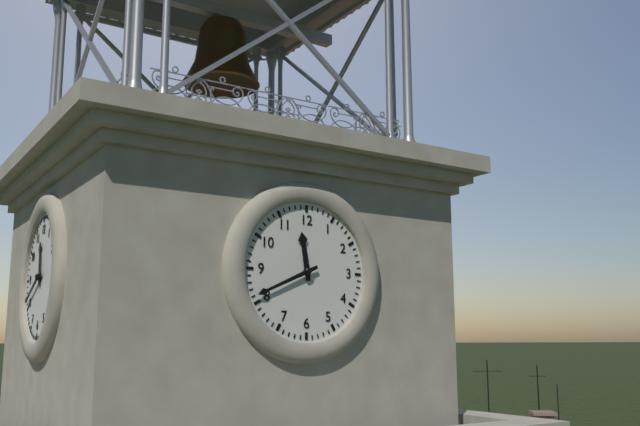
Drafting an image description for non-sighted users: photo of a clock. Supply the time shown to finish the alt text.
11:41
